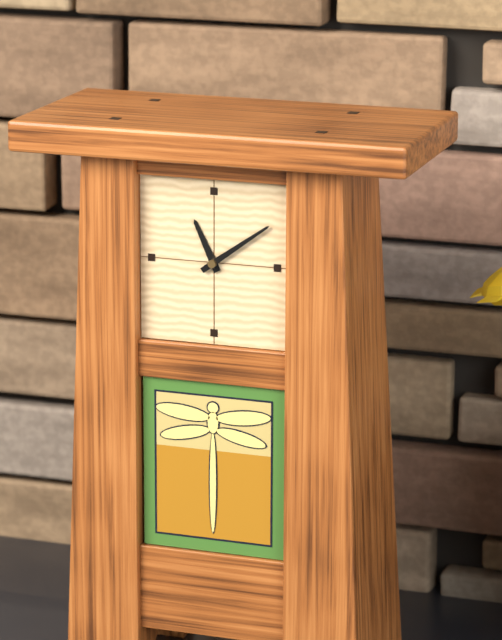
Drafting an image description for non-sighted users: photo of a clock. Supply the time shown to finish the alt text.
11:09
